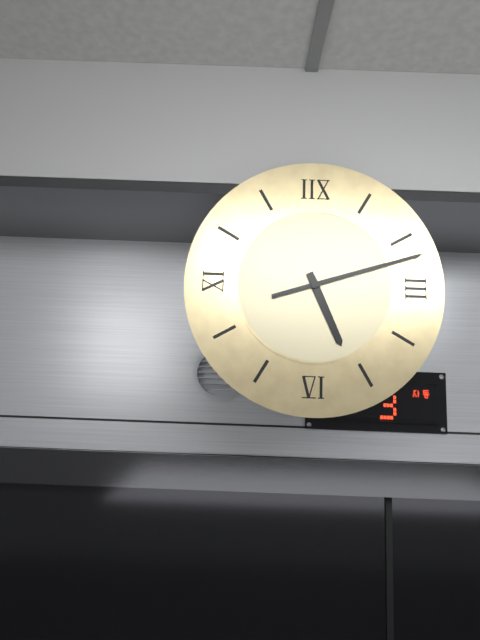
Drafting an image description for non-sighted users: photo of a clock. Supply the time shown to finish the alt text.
5:12
